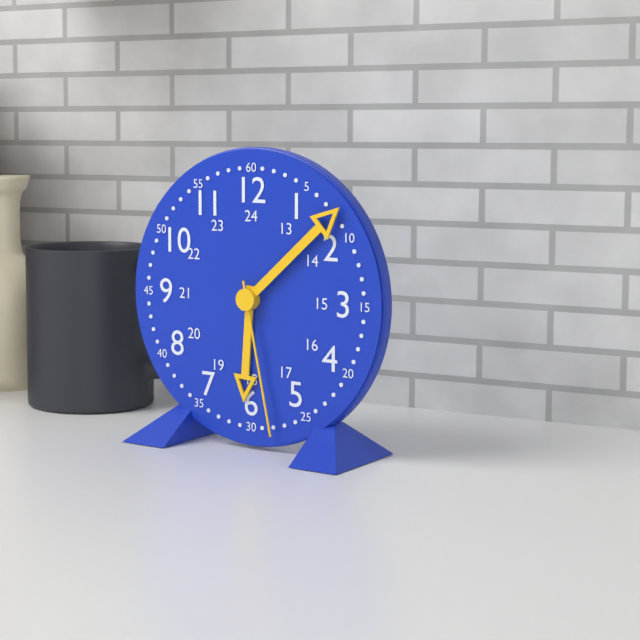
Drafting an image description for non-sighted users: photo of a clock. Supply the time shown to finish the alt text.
6:08:28
